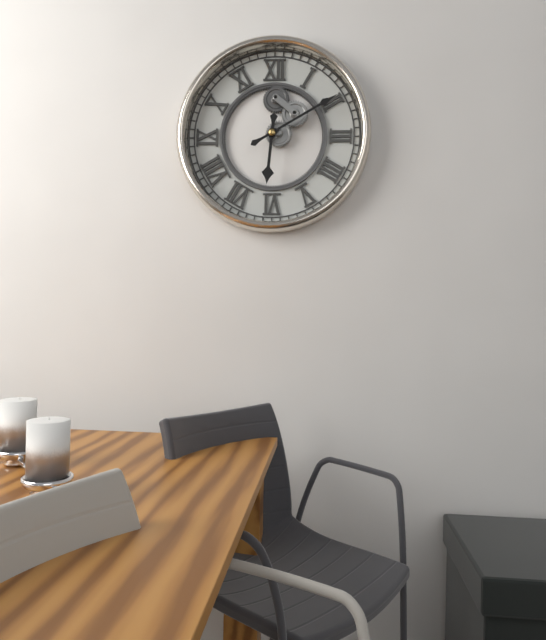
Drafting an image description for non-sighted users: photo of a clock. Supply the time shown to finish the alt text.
6:10
